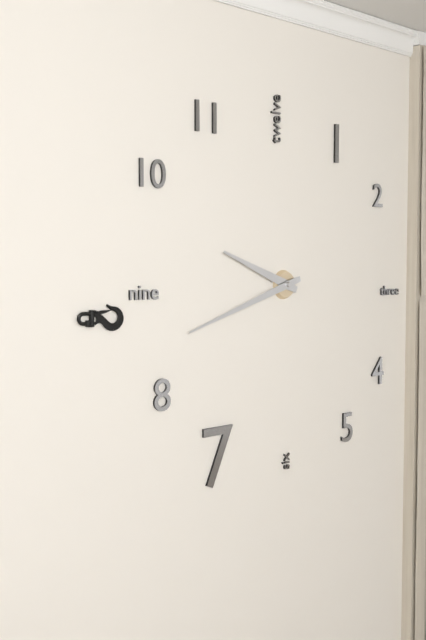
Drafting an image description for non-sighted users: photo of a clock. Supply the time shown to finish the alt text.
9:42
